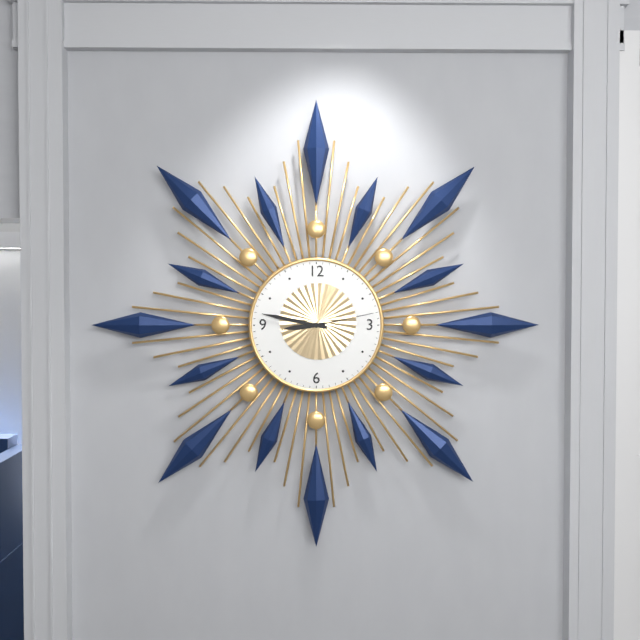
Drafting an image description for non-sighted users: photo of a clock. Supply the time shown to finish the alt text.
8:47:13
